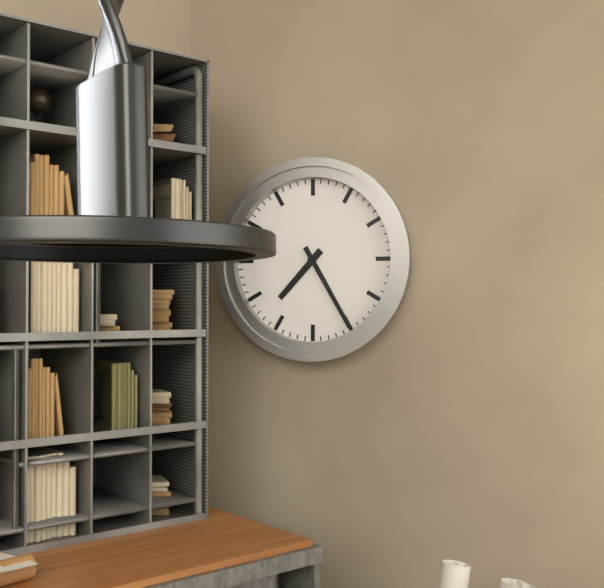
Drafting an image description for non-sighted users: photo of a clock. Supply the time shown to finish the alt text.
7:25
